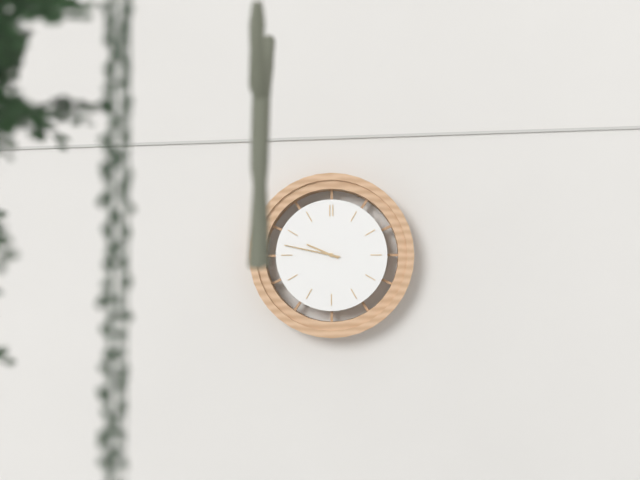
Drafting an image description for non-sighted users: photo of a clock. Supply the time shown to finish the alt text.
9:47
